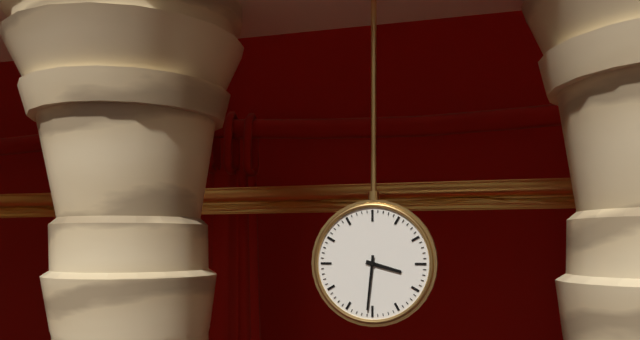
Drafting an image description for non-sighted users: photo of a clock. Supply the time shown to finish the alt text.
3:31
